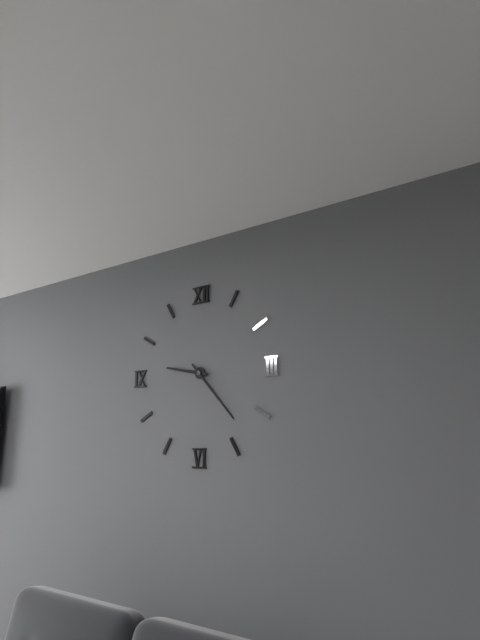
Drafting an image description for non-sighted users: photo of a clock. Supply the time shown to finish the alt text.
9:23
